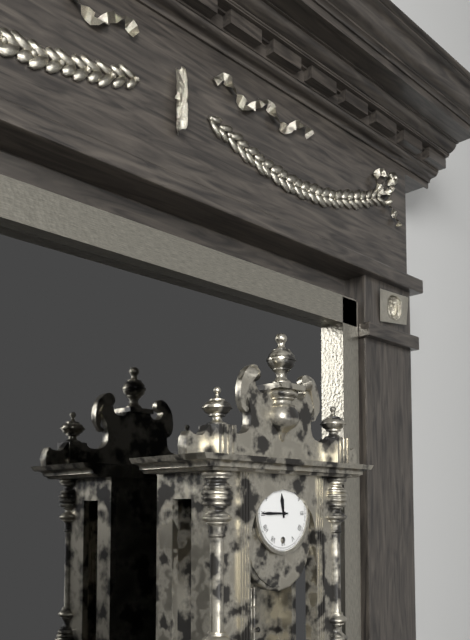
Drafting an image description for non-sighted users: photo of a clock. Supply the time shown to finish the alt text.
11:45
